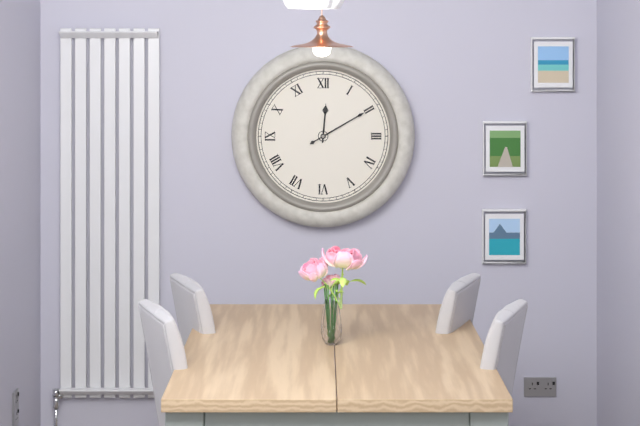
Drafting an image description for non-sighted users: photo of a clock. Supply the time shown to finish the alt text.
12:10
